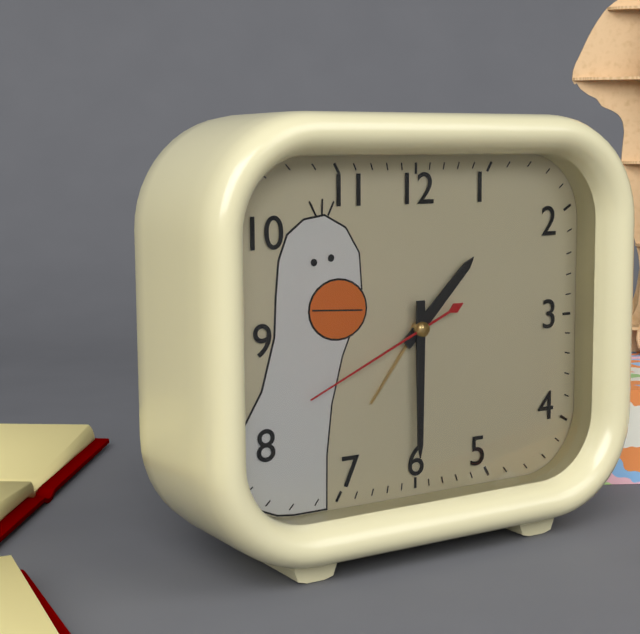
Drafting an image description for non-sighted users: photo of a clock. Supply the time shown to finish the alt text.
1:30:41
